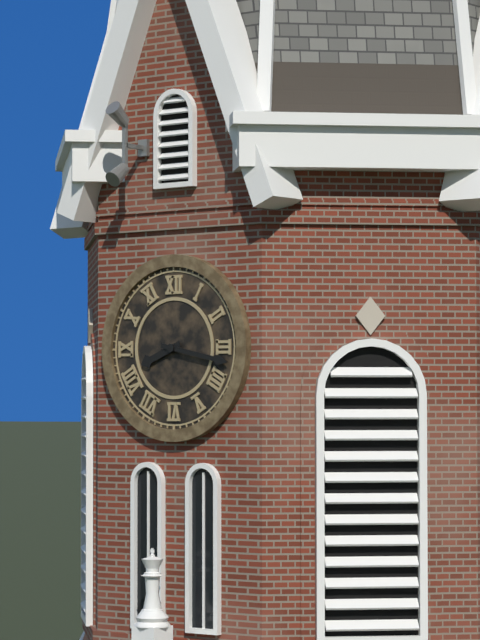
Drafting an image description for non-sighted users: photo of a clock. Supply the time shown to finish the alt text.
8:17
